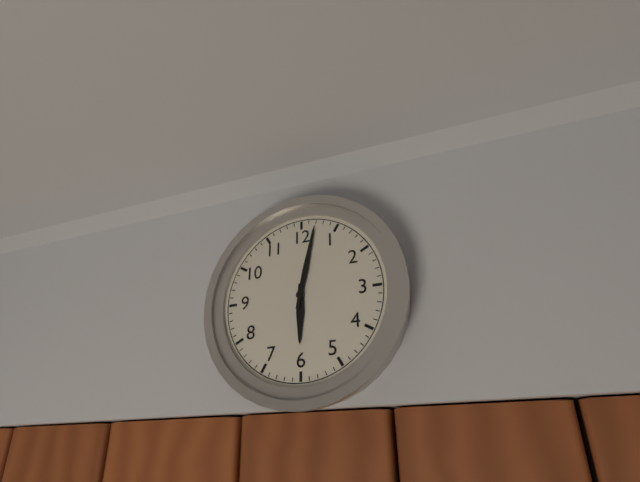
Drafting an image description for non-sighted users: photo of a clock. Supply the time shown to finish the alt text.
6:02
